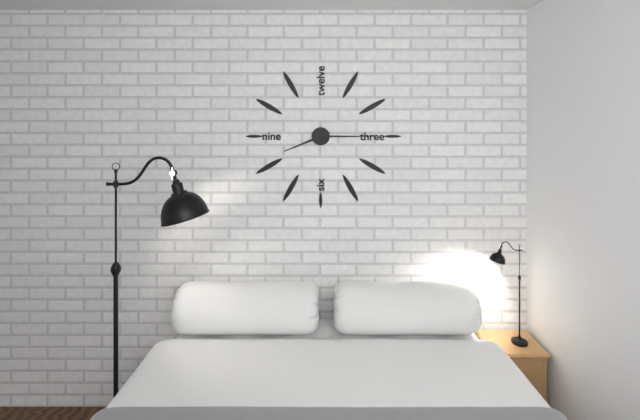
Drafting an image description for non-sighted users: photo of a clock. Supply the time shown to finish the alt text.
8:15
